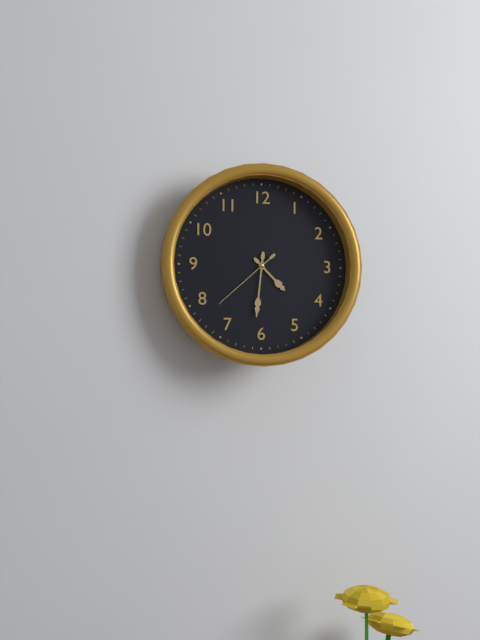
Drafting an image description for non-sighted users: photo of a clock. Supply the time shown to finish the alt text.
4:31:38
